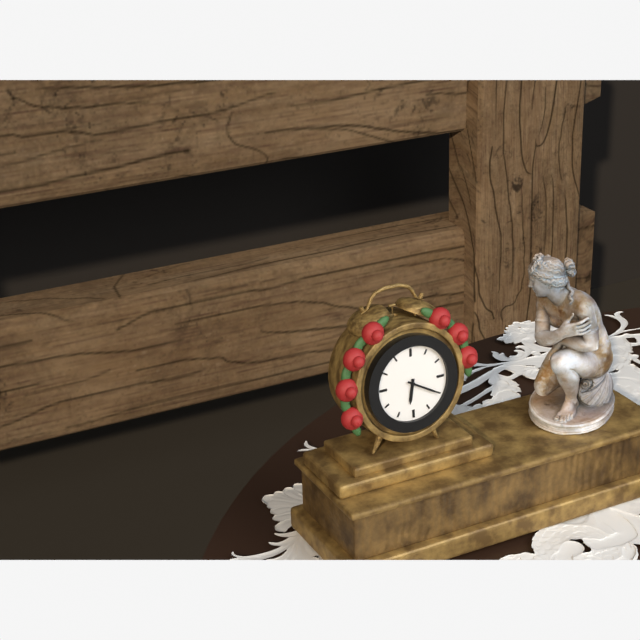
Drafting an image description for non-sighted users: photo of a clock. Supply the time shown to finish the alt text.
6:20
